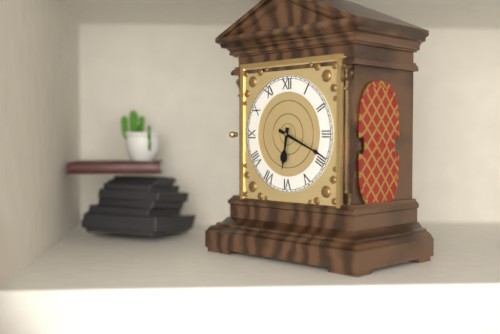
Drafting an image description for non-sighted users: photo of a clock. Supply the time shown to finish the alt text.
6:19
